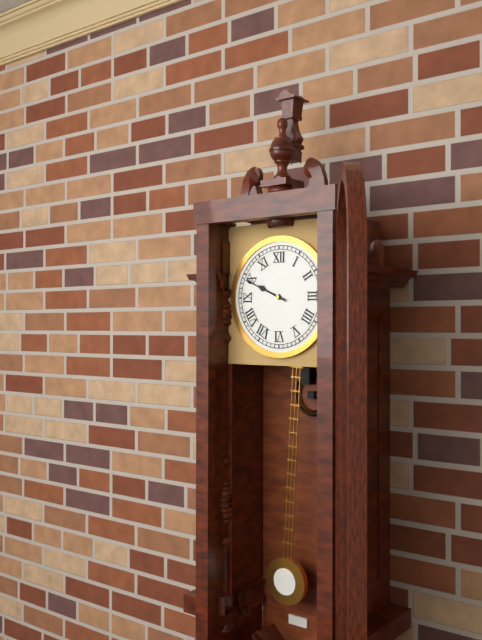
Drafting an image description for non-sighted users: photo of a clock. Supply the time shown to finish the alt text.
9:49
